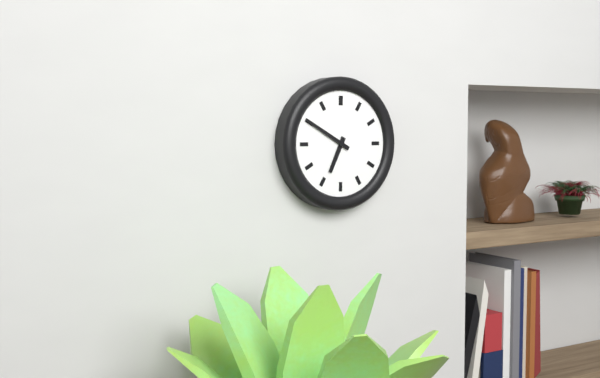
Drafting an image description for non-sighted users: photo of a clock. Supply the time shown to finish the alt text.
6:50
